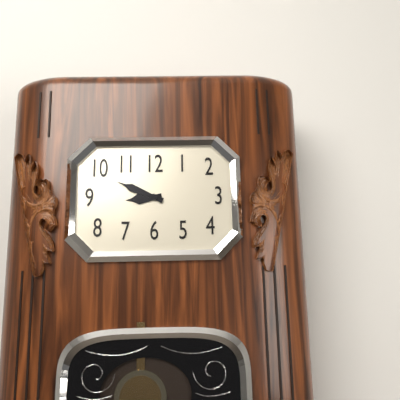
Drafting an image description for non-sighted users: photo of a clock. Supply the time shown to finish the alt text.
8:49
